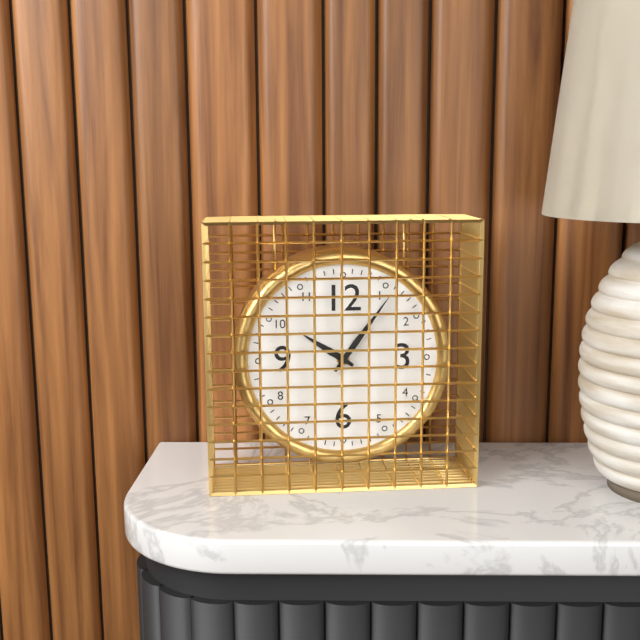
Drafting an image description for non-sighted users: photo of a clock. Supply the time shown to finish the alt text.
10:06
